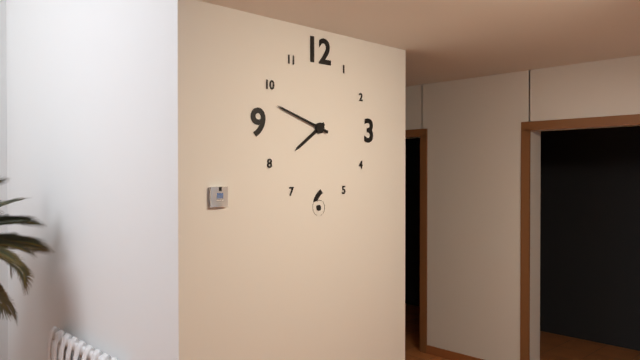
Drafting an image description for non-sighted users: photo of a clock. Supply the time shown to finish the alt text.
7:48
